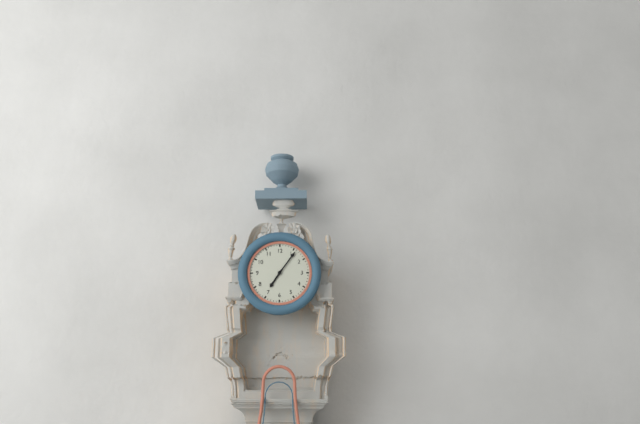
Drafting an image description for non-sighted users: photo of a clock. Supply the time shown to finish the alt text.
7:06
